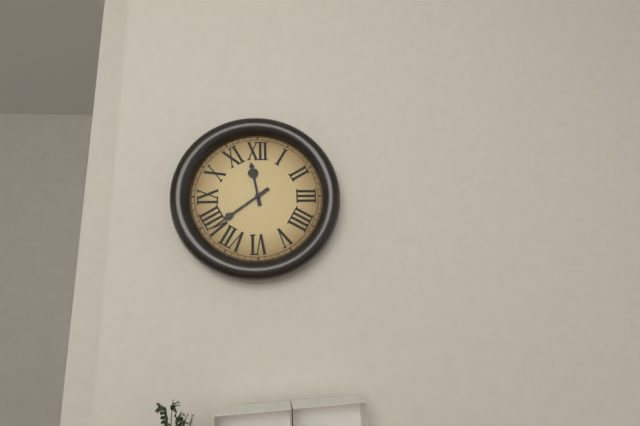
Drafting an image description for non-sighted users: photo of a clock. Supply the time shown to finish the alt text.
11:39
